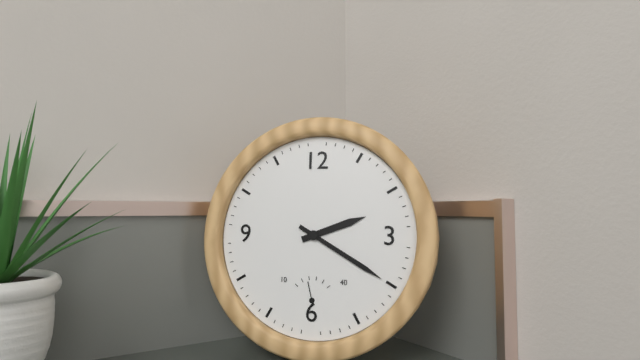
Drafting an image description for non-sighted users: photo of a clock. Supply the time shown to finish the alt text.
2:20
